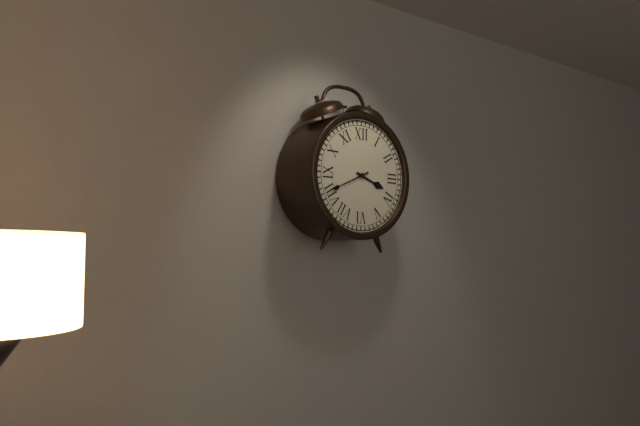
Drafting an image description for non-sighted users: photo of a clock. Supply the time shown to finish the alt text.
3:41
